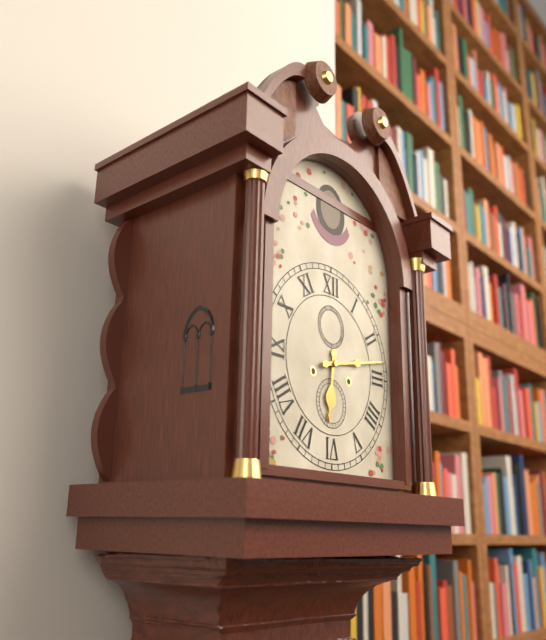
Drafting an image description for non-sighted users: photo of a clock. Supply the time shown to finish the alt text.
6:13
